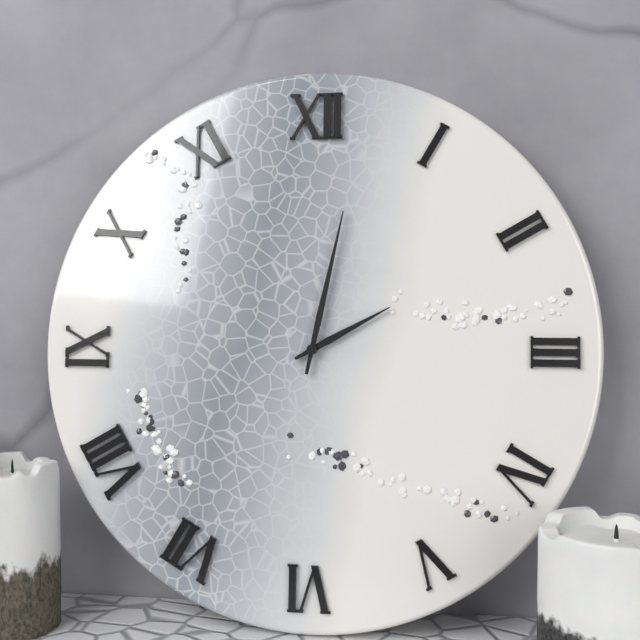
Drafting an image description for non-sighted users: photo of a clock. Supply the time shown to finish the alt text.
2:02
